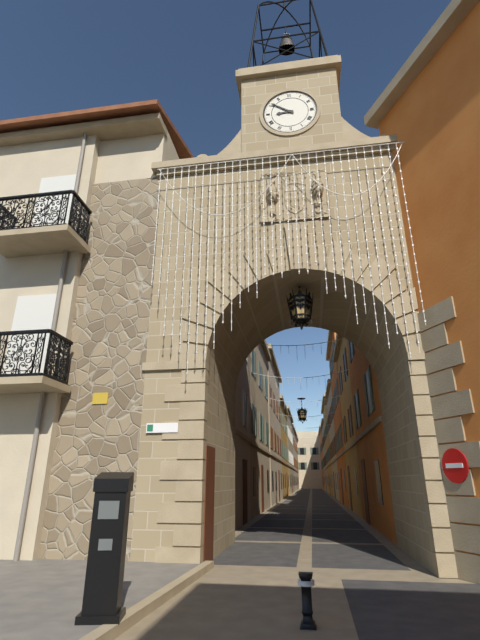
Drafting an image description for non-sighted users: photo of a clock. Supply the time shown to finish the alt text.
8:51
